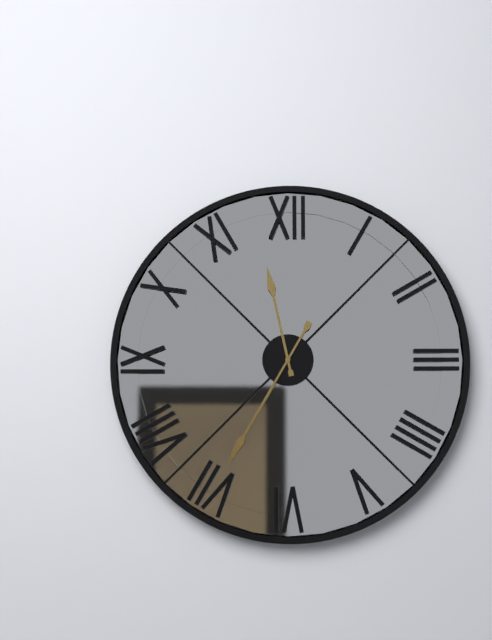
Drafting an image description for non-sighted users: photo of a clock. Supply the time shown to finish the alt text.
11:35
